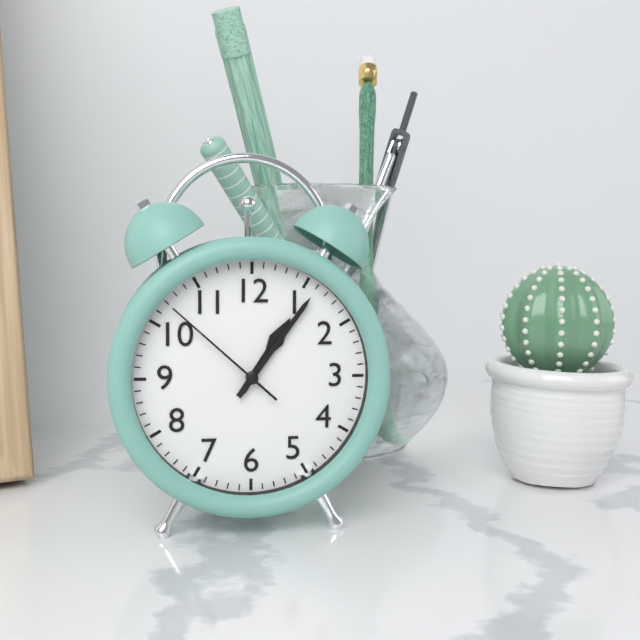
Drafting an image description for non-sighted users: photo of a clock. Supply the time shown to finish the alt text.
1:06:52
